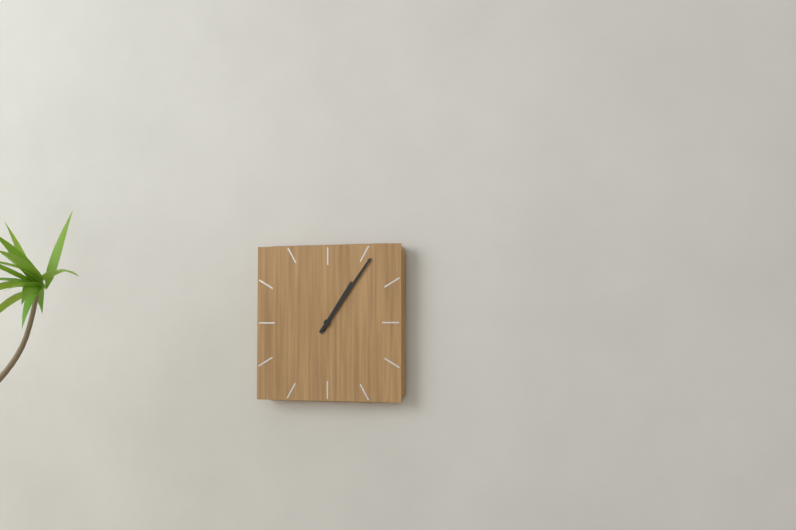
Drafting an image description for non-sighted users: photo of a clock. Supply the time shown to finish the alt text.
1:06
